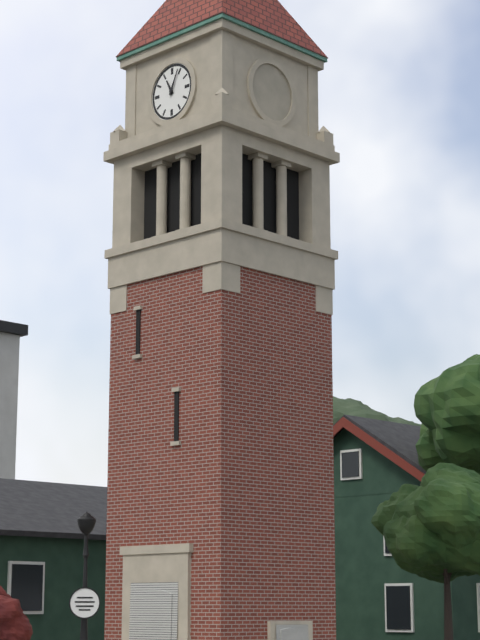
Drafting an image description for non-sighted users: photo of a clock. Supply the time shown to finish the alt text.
11:04
